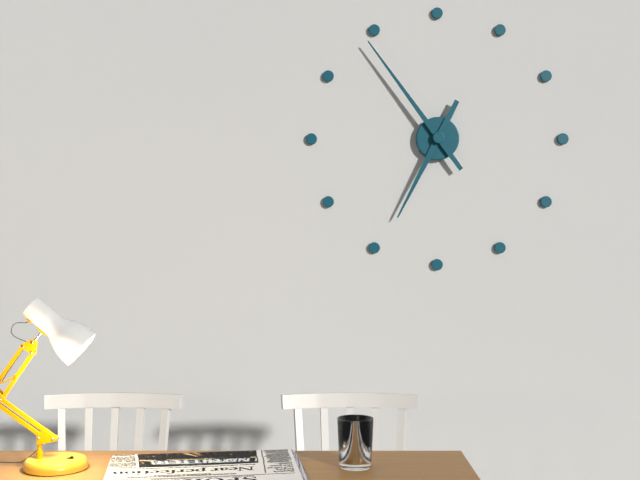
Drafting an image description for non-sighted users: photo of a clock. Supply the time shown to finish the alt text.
6:54
